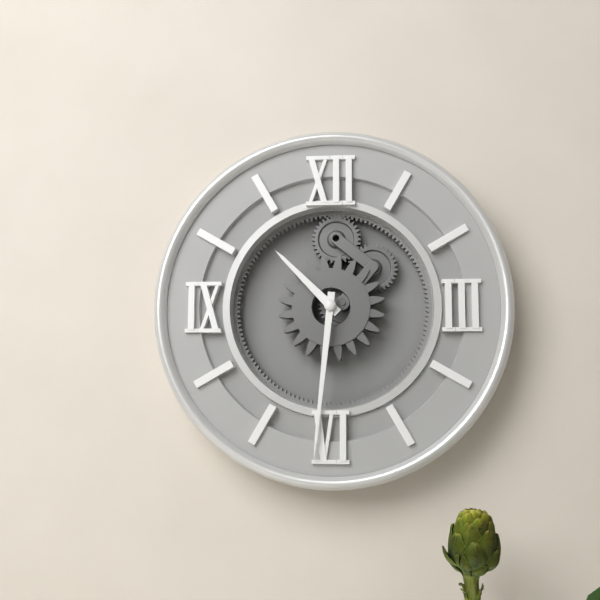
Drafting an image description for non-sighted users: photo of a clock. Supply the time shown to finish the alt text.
10:31
